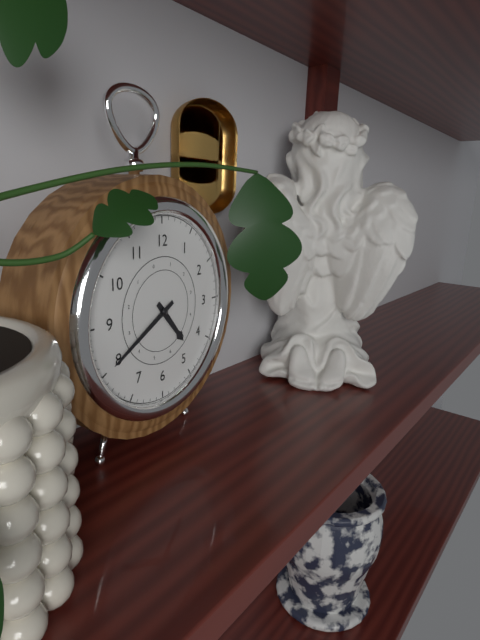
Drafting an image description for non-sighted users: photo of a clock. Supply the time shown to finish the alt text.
4:40
